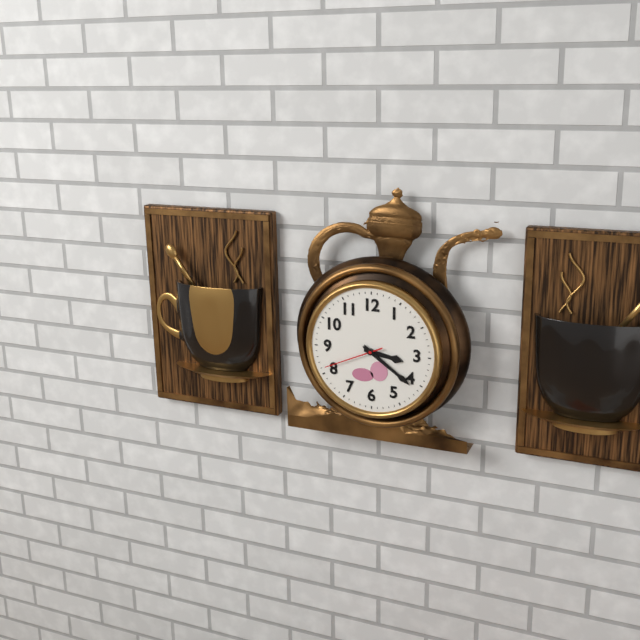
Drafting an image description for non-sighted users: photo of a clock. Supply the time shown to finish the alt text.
3:21:41
